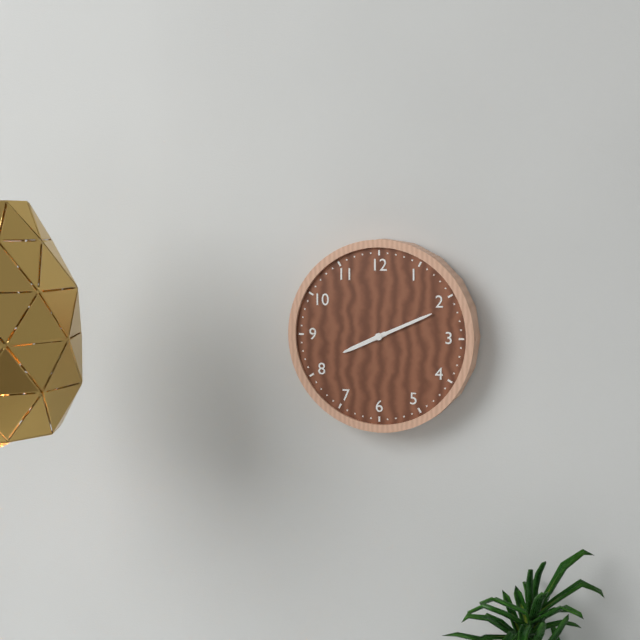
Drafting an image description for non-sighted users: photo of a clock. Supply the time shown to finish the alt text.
8:11
